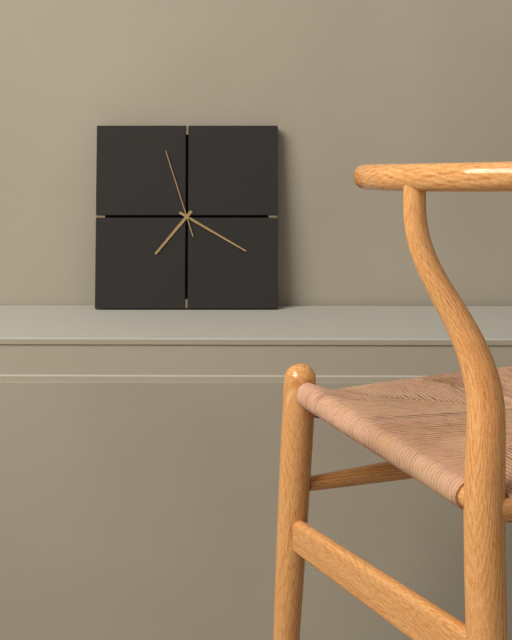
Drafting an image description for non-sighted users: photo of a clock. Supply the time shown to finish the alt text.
7:20:57
